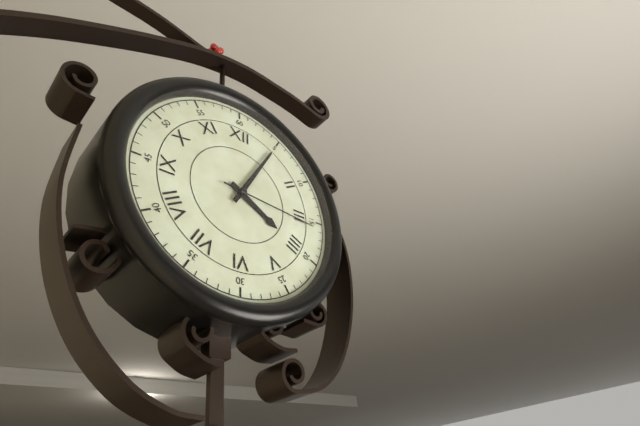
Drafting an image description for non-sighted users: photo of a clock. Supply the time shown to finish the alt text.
4:05:16
